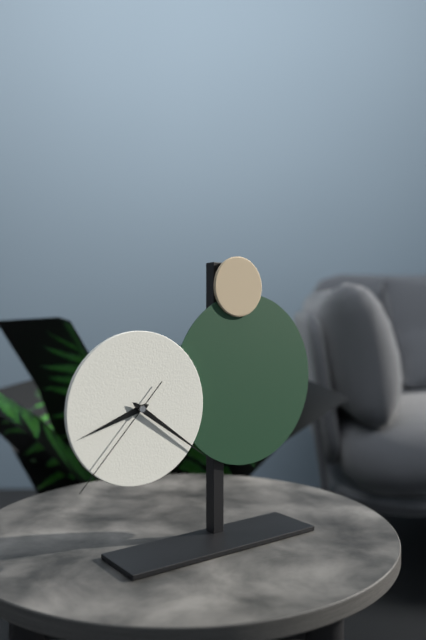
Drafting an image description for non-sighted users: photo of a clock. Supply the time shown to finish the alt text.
8:21:37
